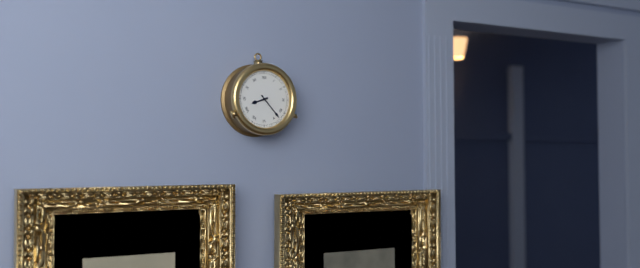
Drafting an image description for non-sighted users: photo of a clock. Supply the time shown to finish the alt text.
8:23
